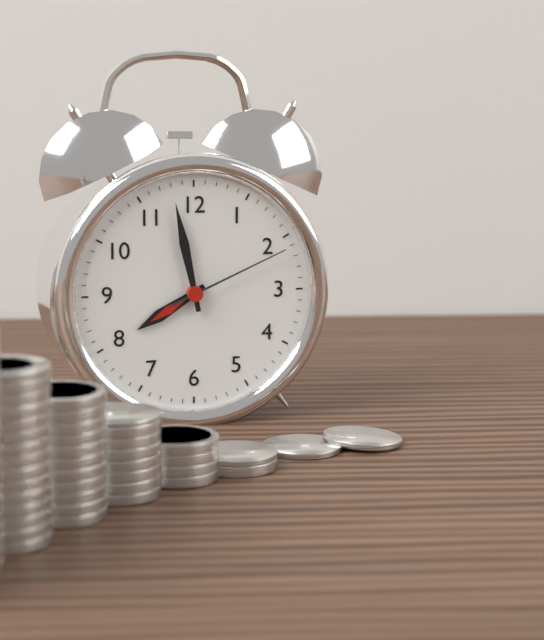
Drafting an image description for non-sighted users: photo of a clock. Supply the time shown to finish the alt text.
7:58:11
